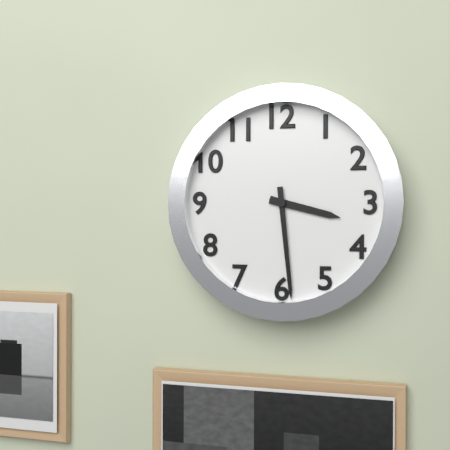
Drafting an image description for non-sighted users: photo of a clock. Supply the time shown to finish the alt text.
3:29
